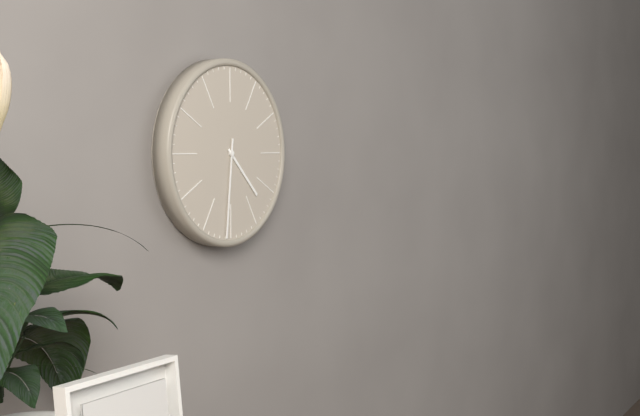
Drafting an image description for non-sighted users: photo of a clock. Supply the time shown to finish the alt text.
4:31
